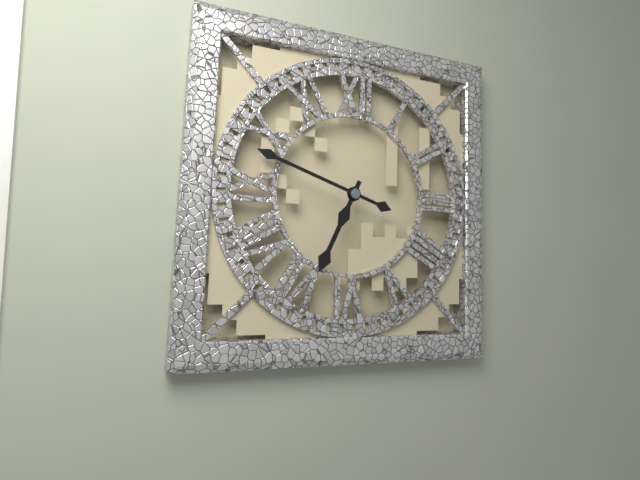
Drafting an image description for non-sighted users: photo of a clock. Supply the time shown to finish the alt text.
6:48
